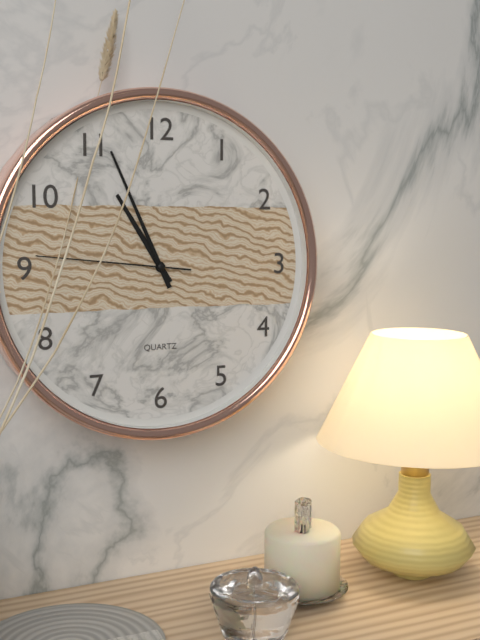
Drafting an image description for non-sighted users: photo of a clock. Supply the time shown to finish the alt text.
10:56:46
